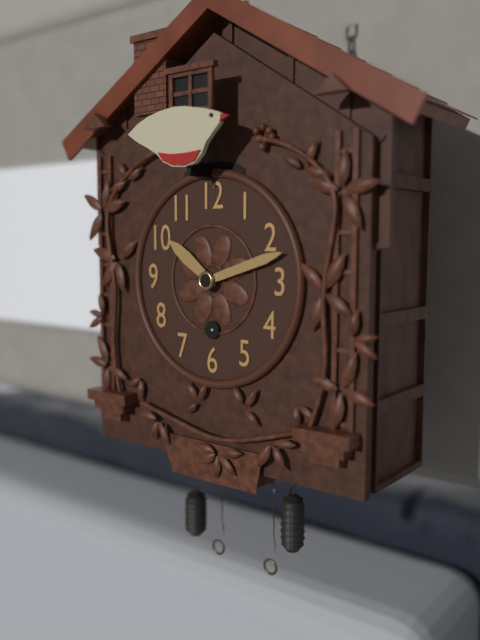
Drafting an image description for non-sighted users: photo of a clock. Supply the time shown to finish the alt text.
10:12
